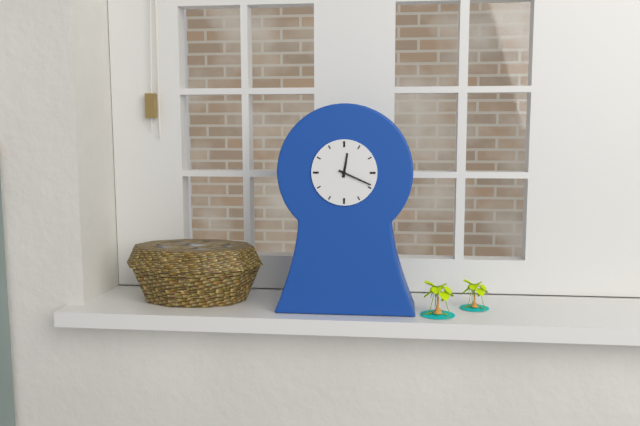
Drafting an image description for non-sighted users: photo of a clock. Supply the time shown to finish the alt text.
12:19
